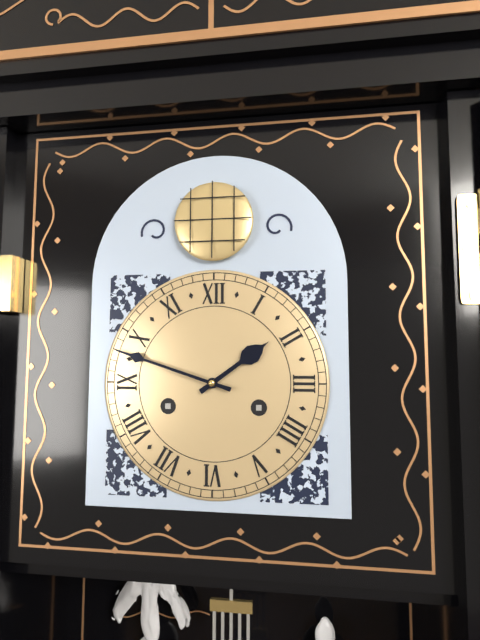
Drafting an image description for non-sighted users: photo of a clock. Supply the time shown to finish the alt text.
1:48
